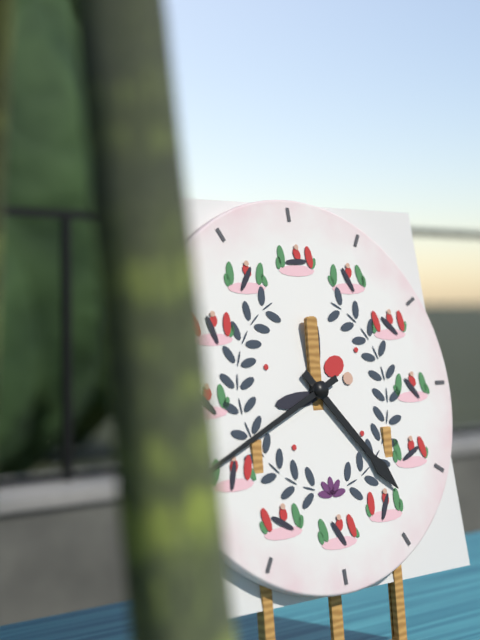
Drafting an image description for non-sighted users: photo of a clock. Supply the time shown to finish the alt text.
4:41
